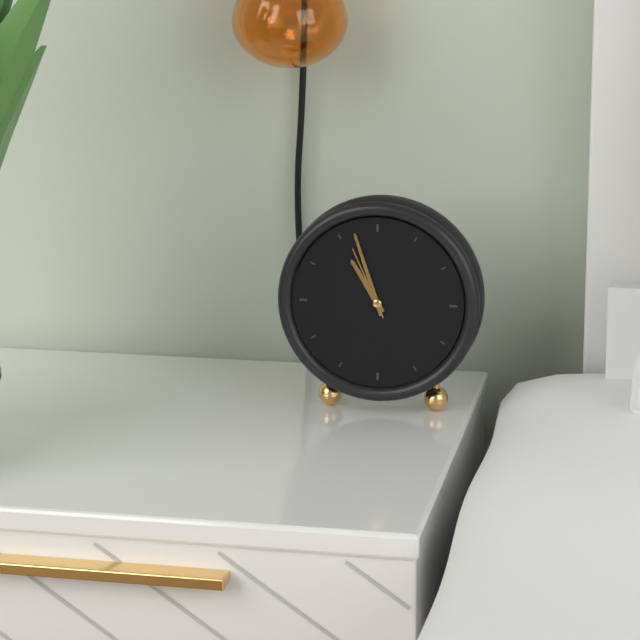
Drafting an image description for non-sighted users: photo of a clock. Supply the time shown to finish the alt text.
10:57:56
